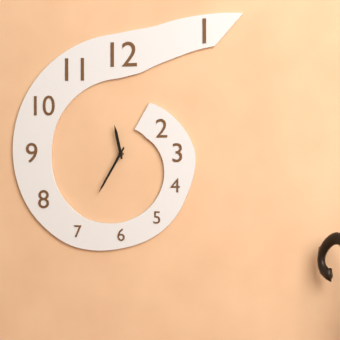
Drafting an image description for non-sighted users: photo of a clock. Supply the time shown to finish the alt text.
11:35
